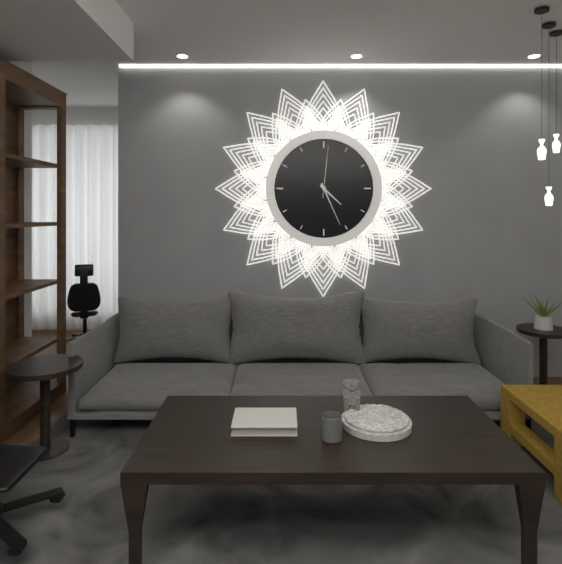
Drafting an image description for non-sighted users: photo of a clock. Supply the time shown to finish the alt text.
4:26:01
